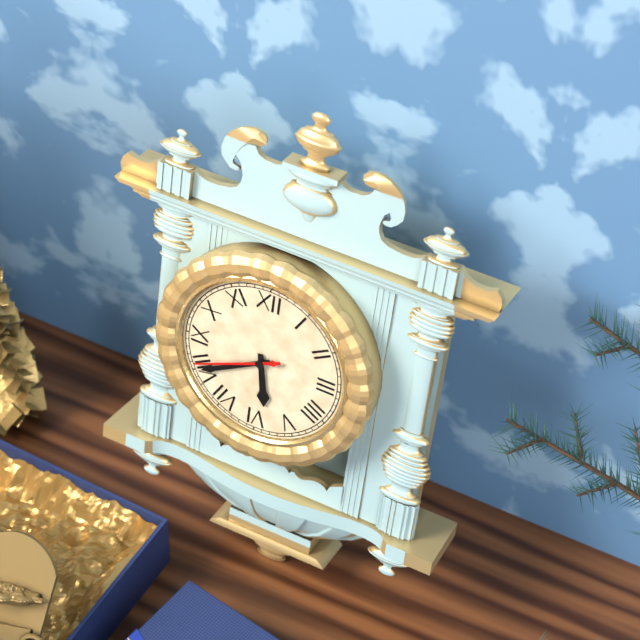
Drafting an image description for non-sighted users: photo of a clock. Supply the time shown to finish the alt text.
5:40:41
